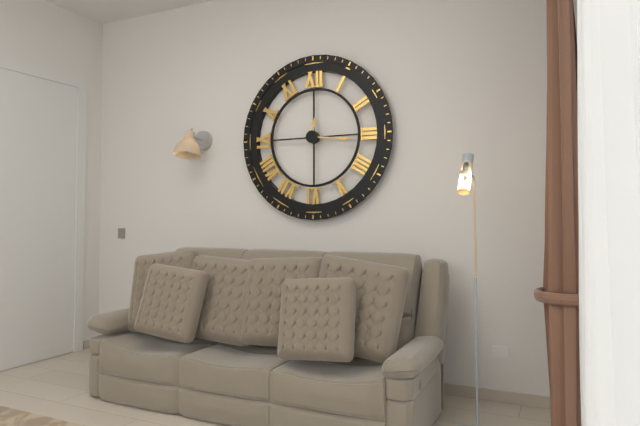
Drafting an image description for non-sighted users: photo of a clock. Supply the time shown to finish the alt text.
12:16
